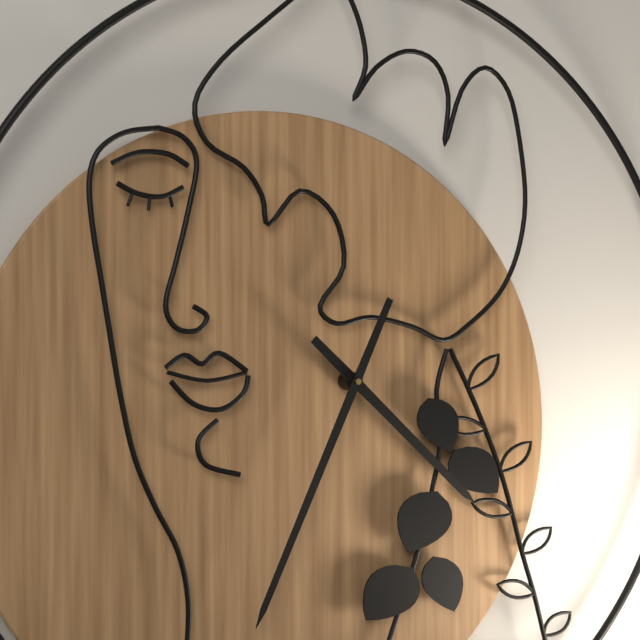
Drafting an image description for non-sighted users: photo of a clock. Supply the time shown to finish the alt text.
4:35
